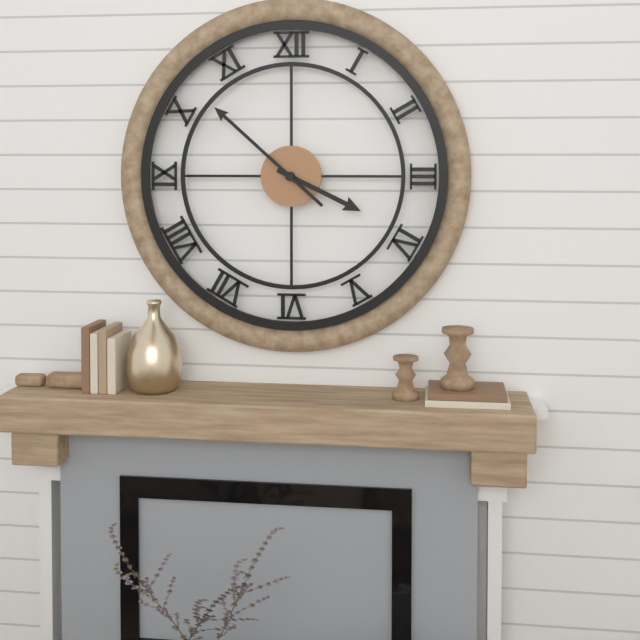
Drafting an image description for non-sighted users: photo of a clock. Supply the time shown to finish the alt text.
3:52
